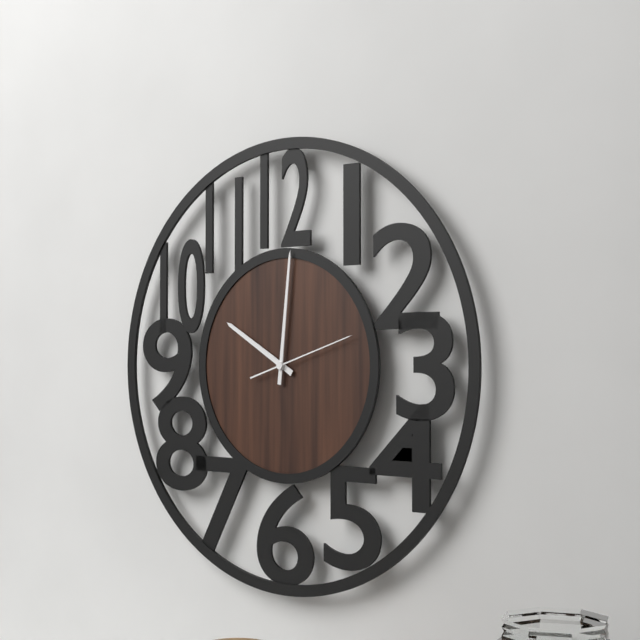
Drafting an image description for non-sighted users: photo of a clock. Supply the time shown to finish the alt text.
10:01:12
